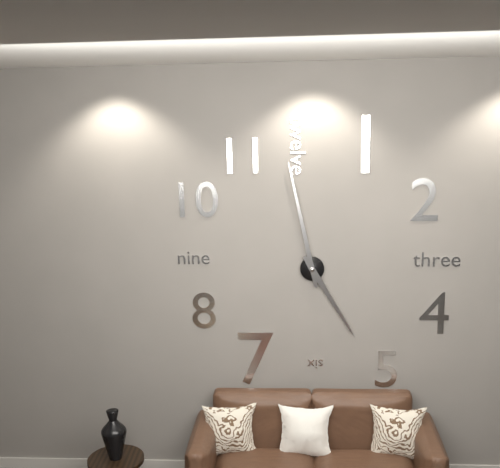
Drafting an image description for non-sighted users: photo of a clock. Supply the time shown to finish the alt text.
4:58
